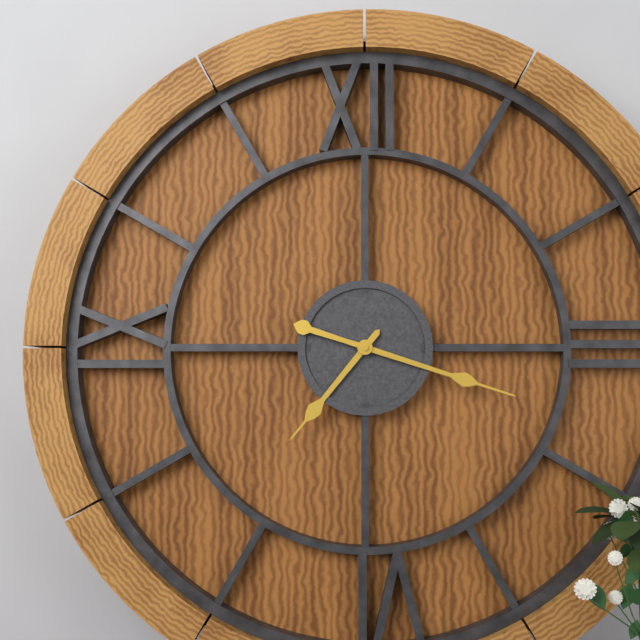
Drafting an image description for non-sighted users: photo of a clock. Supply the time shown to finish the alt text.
7:18
